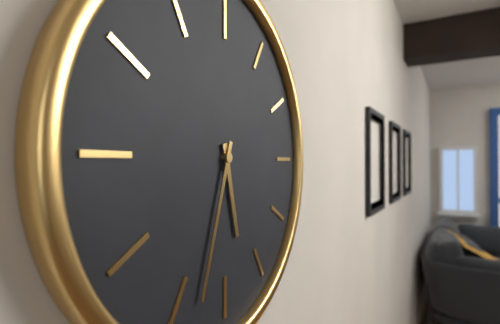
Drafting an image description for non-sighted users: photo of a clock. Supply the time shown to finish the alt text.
5:33
